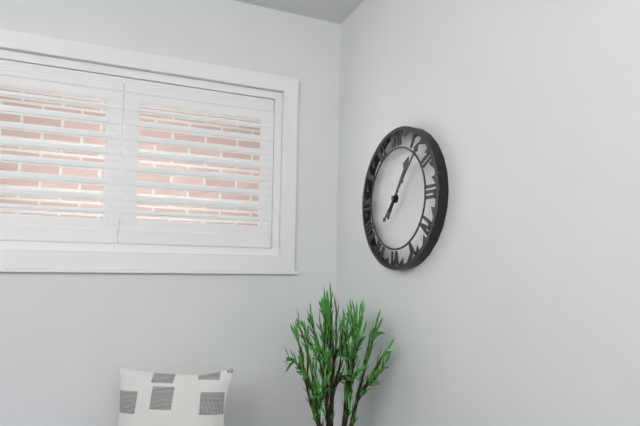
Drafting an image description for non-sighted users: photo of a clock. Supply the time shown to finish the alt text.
1:07
